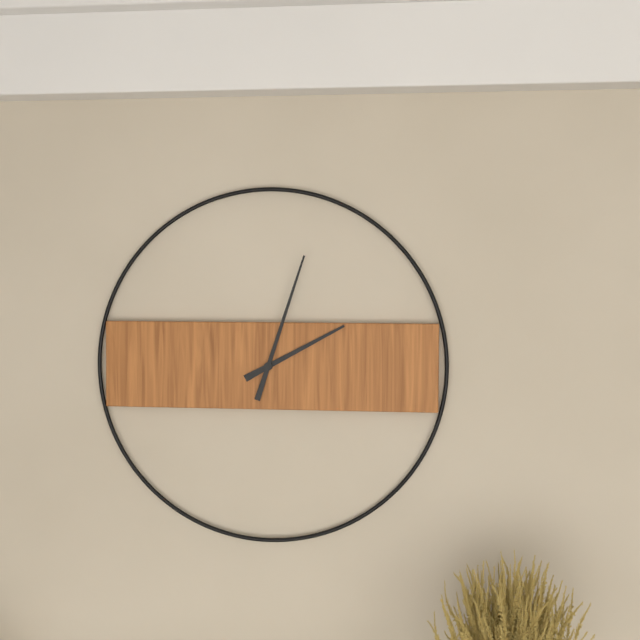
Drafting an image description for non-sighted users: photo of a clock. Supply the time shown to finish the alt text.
2:03
